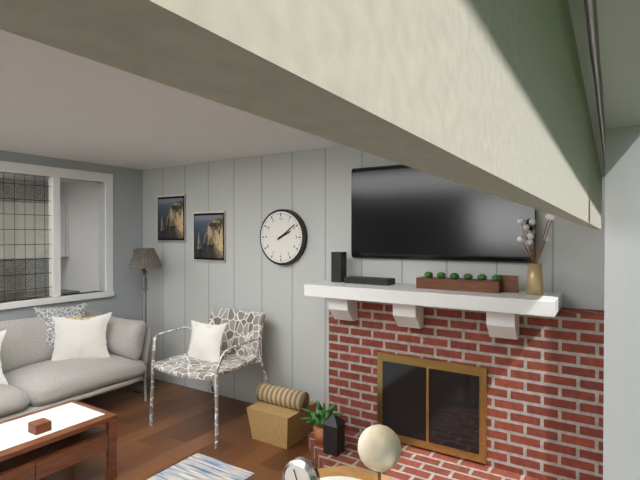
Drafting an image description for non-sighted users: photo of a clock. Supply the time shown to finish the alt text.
2:09
